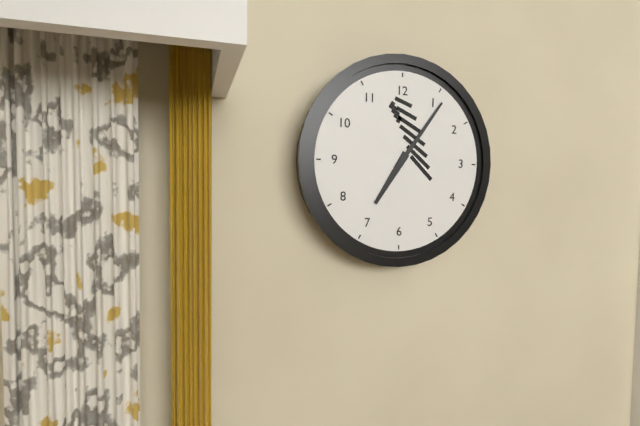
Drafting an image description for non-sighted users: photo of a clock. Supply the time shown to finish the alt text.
7:06
